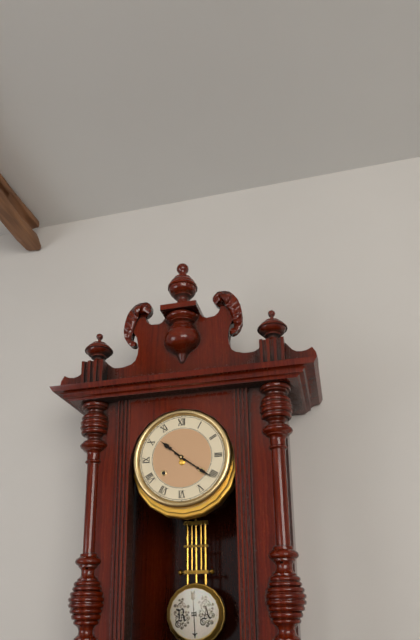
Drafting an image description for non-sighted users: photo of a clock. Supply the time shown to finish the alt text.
10:21
